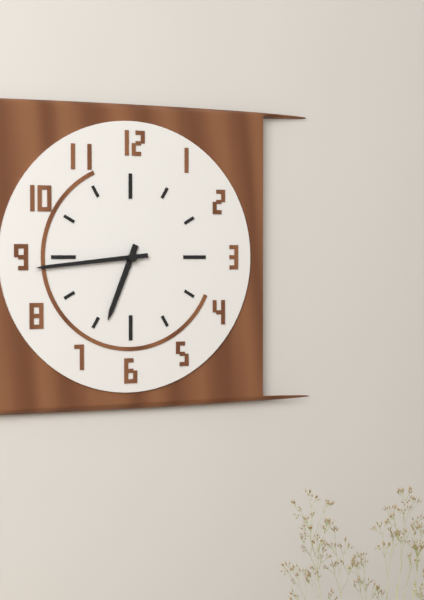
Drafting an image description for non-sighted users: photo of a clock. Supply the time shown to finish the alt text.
6:44
